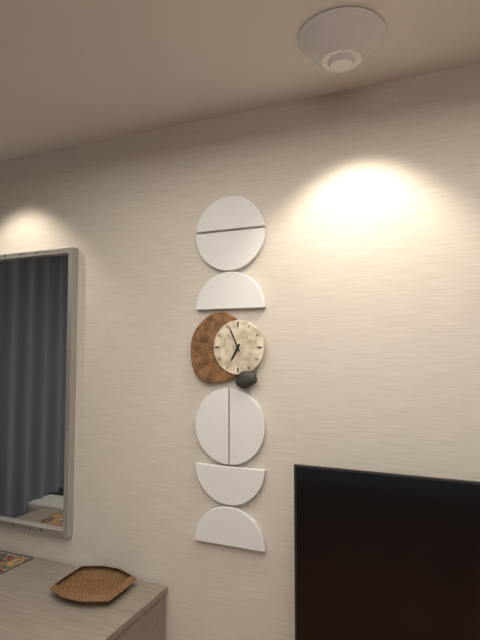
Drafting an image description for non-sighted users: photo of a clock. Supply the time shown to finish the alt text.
6:56
